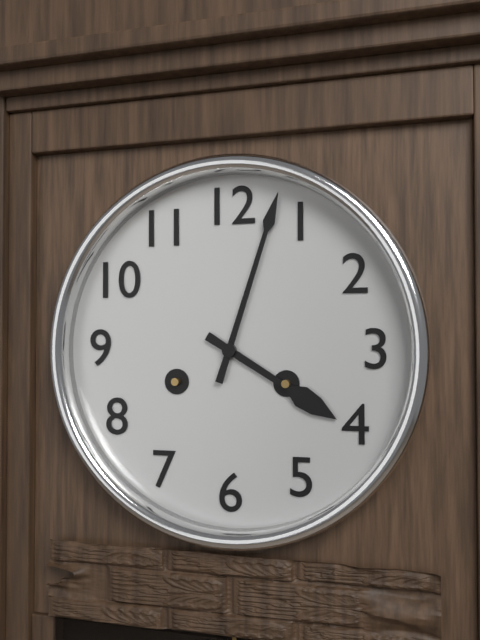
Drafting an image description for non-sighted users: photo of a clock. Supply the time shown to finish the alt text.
4:03
